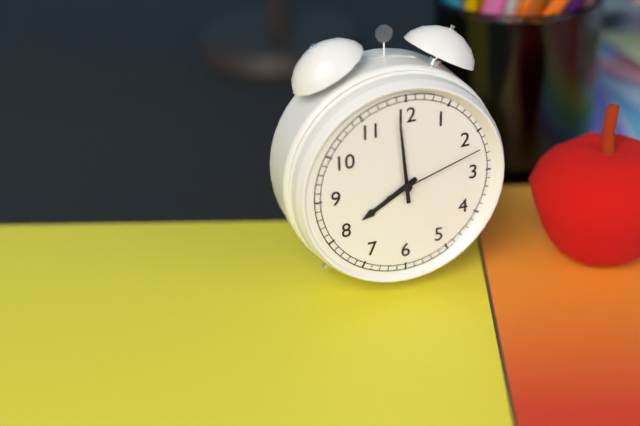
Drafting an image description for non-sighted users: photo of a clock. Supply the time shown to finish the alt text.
7:59:12
